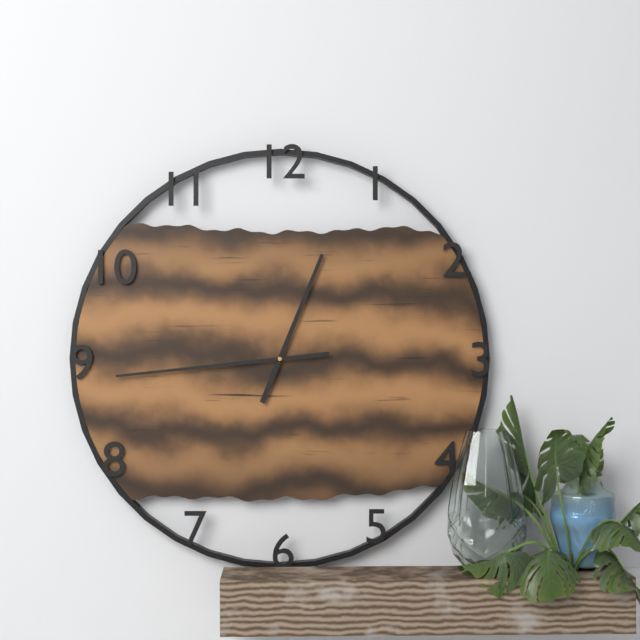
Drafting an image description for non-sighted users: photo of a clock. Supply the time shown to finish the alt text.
12:44
